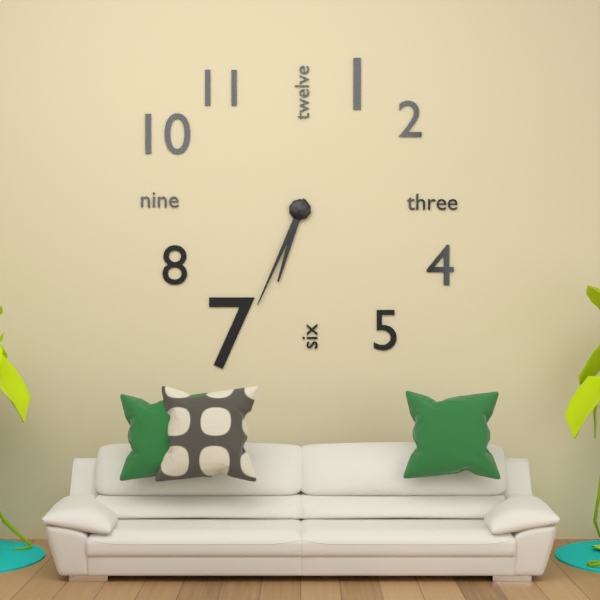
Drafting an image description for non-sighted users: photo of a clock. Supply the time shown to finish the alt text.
6:34
